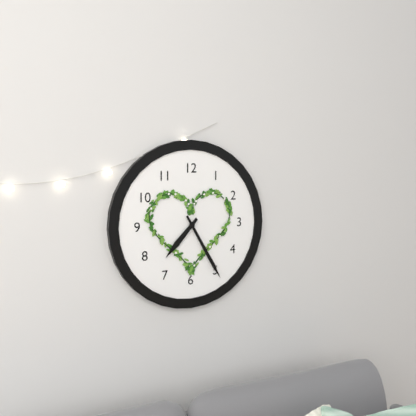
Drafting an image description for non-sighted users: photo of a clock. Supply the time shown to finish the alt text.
7:25
